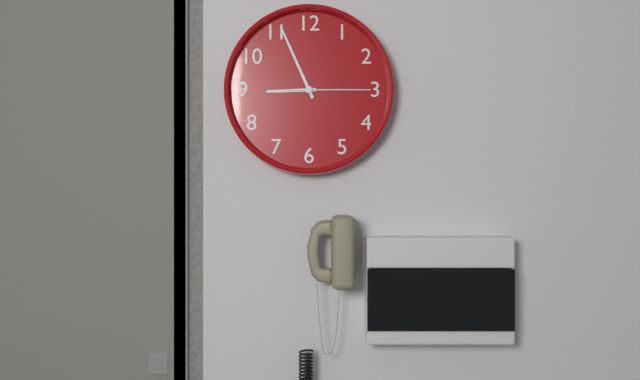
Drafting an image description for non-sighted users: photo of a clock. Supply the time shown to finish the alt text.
8:56:15
